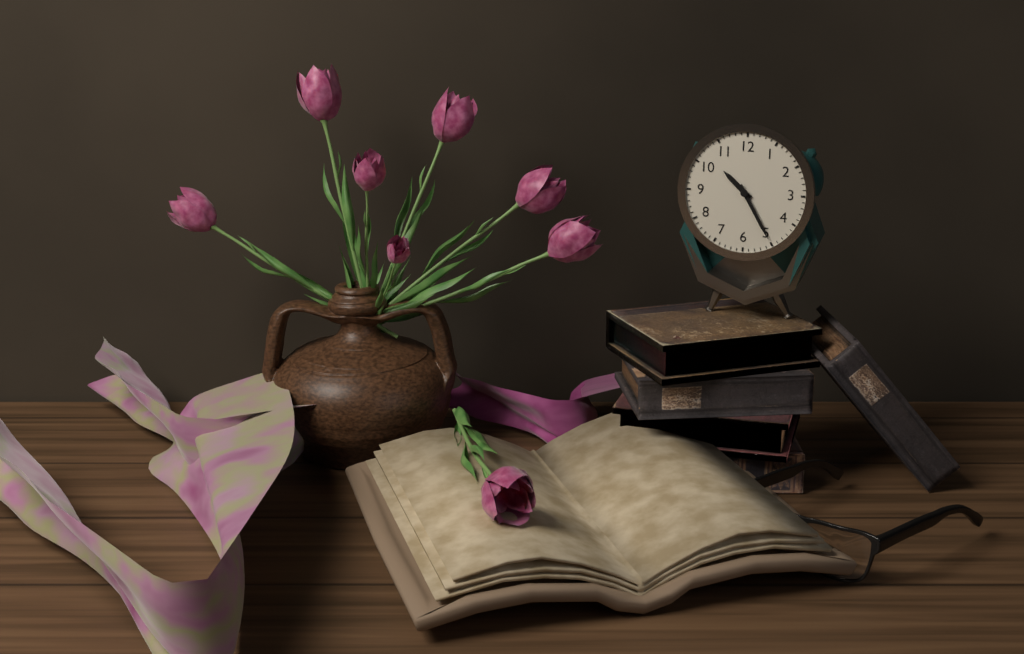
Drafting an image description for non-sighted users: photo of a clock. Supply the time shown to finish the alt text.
10:25
